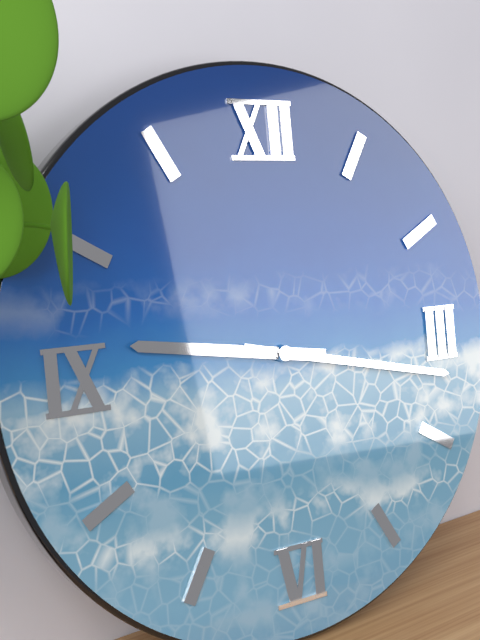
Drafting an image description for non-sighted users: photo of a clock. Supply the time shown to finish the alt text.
9:17
